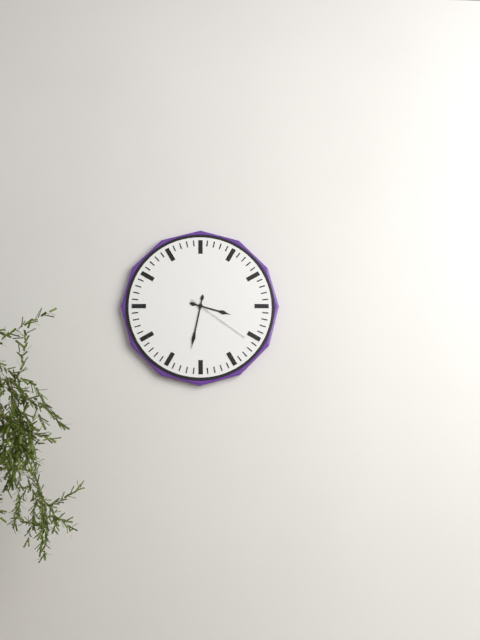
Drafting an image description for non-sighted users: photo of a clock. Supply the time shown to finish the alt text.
3:32:21
